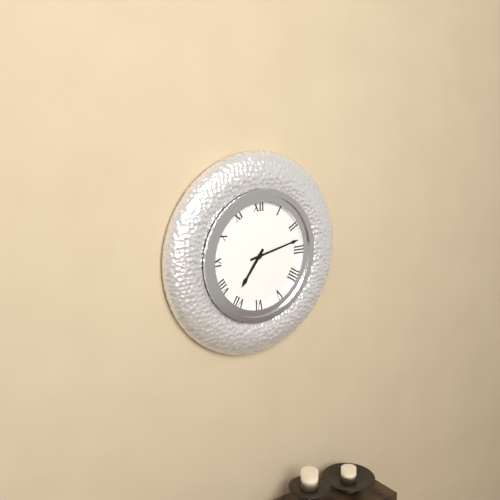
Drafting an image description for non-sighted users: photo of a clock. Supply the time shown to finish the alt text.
7:13
